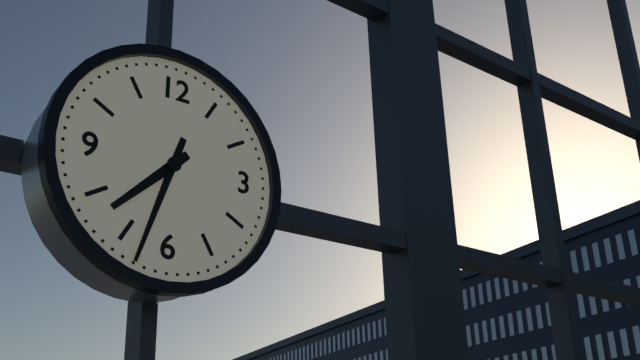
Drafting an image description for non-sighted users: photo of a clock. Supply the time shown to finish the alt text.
7:33
